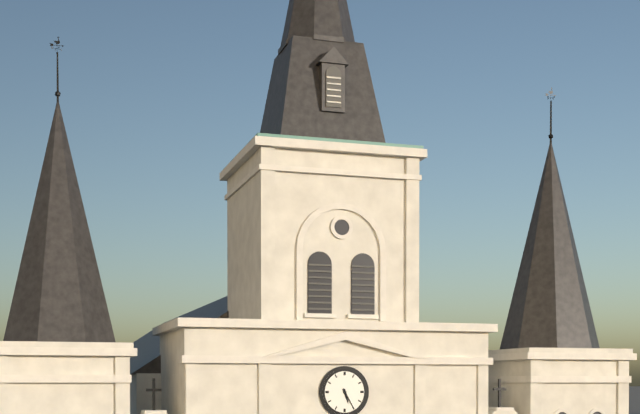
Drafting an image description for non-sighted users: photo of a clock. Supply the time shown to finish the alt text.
5:25
